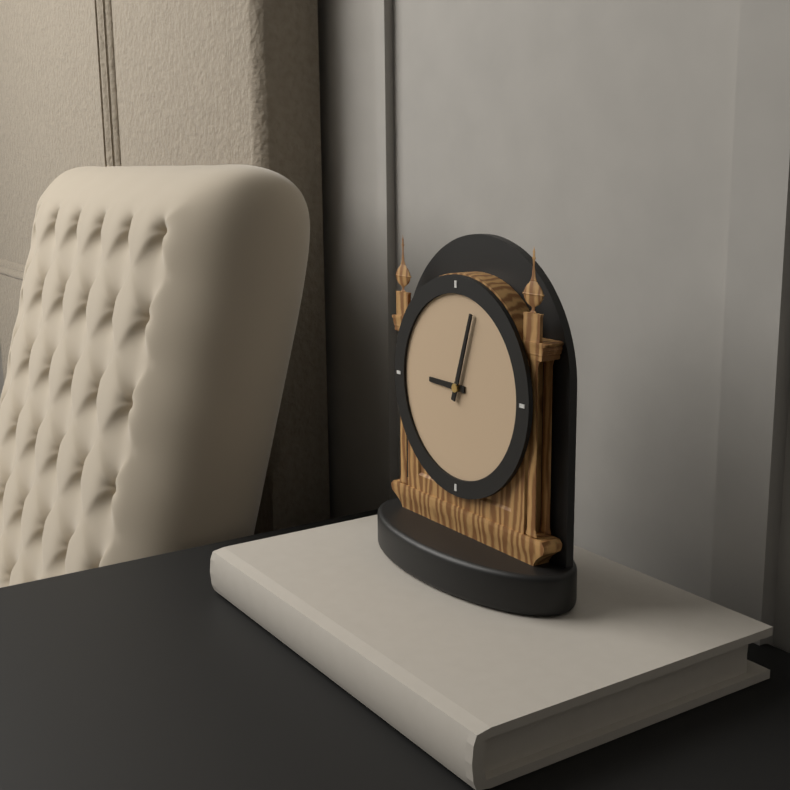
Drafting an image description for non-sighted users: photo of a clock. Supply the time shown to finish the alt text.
9:03
